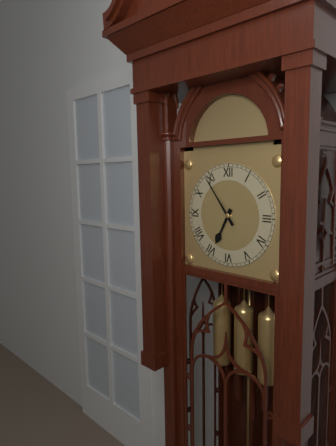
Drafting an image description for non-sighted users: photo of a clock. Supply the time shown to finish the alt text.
6:54
